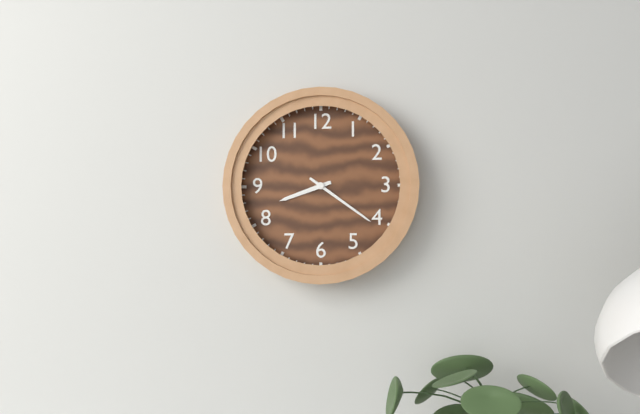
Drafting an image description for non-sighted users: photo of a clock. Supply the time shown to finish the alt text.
8:21
